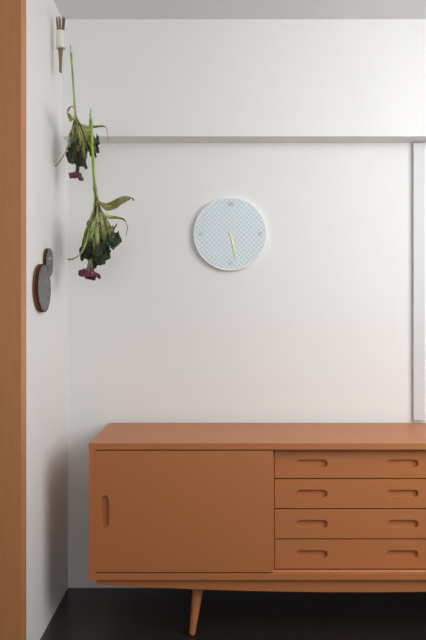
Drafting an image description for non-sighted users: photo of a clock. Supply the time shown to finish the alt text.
5:28
